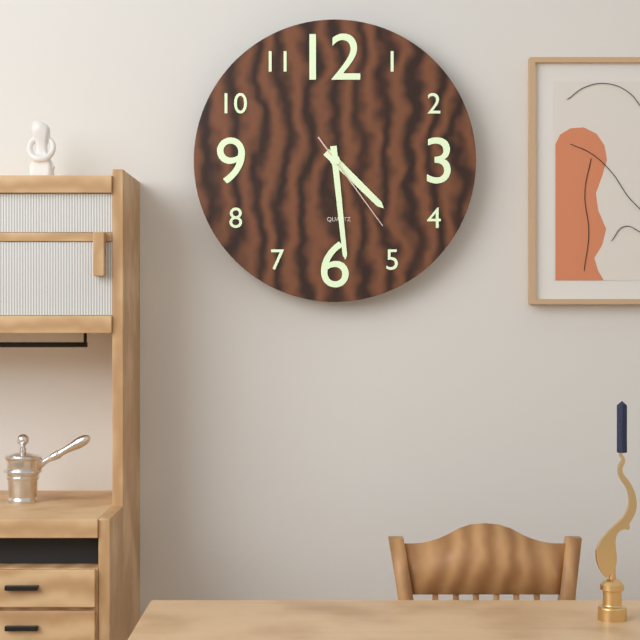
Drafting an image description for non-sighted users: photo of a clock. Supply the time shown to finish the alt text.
4:29:24
